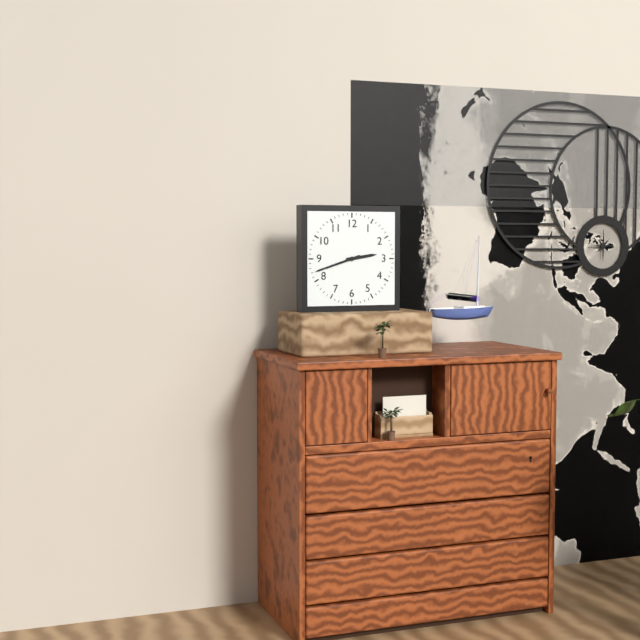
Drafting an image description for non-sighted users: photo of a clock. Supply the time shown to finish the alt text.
2:42
